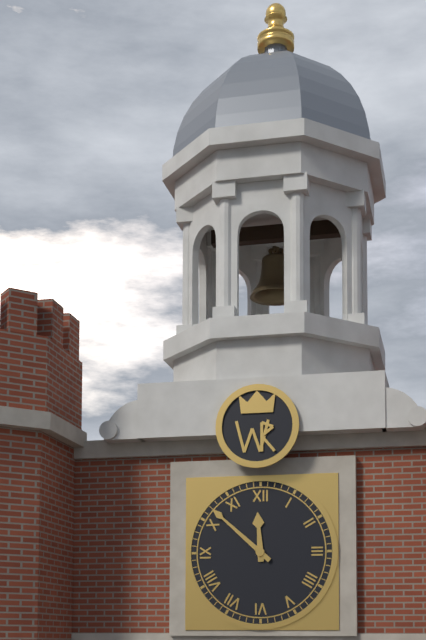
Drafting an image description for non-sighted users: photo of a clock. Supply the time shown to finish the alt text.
11:52
